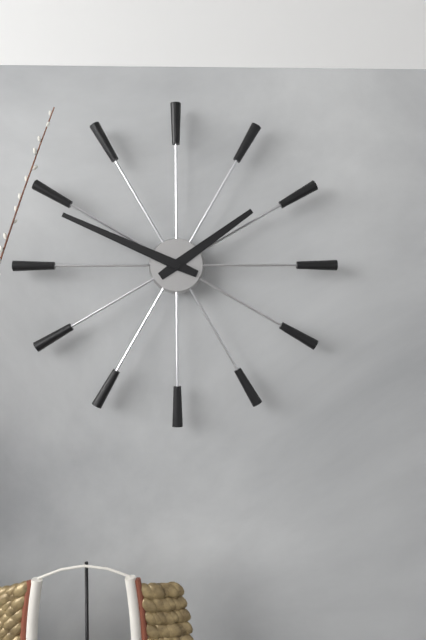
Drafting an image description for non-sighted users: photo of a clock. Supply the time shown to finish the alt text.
1:49
